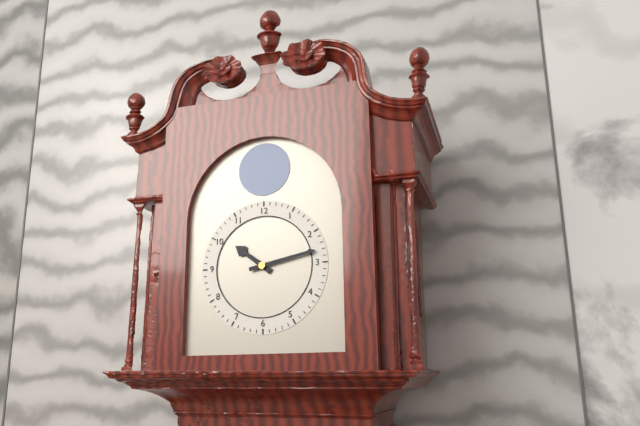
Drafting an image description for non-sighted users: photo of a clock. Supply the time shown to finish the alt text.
10:13
